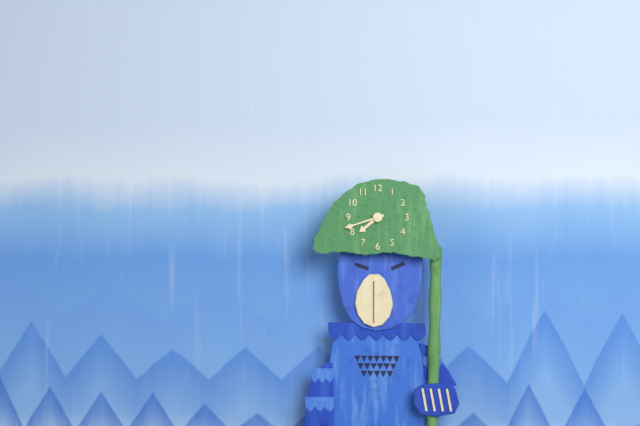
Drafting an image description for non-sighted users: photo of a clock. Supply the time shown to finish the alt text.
7:42
